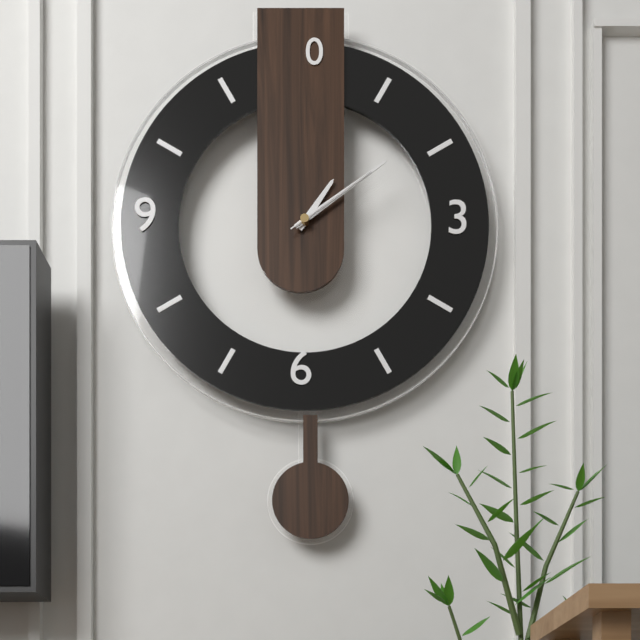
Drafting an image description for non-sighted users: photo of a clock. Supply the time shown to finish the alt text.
1:09:09
